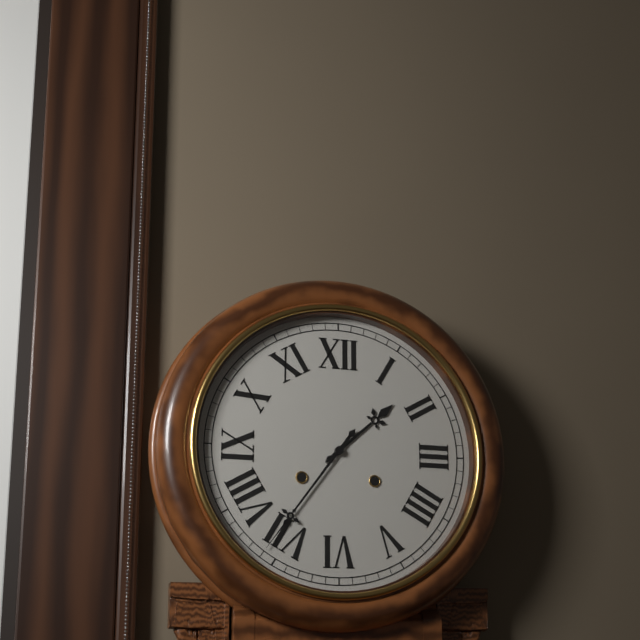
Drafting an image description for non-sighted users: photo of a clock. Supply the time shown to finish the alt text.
1:36
